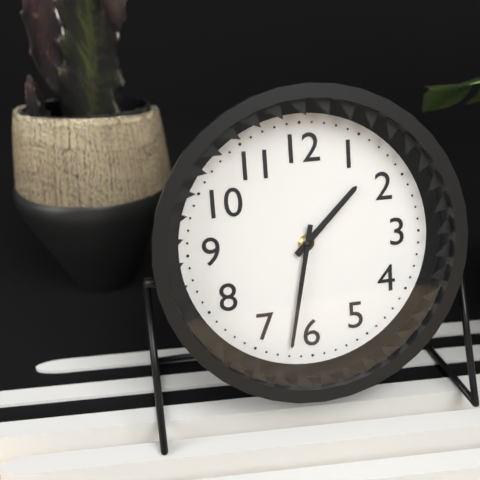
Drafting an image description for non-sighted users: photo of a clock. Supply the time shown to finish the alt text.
1:32
